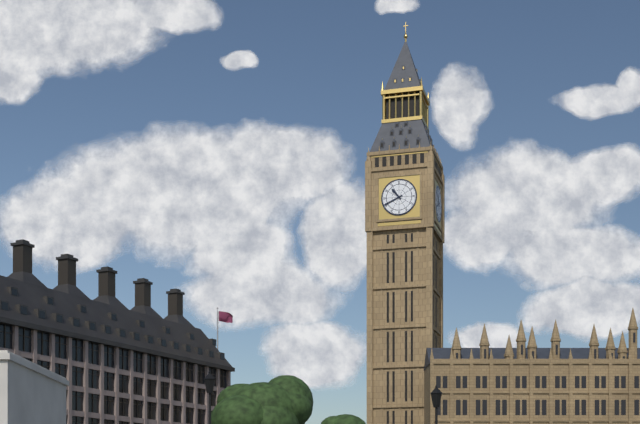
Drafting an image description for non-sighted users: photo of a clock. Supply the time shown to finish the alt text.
10:41
